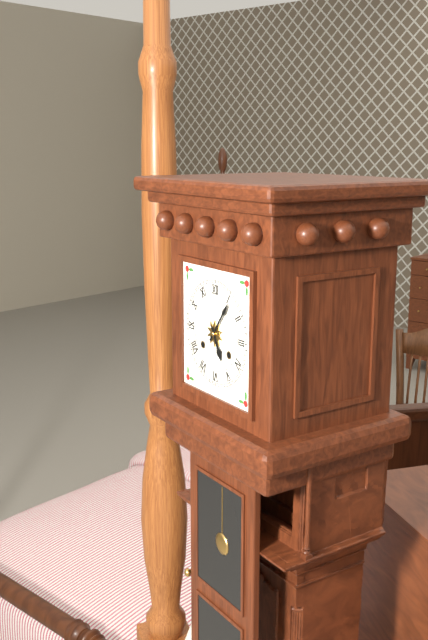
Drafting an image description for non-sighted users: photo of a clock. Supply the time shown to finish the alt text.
5:06
